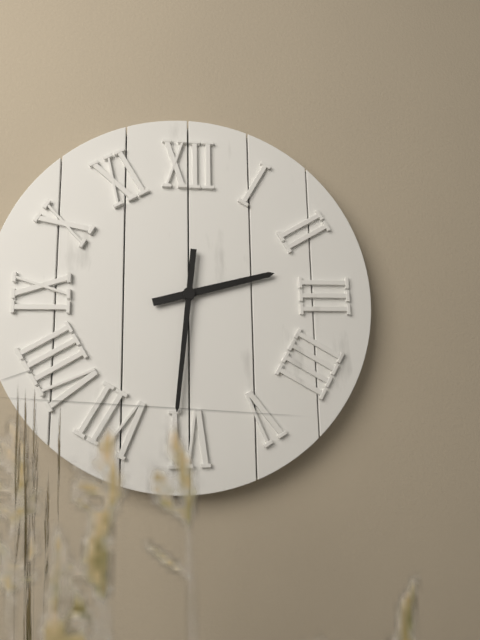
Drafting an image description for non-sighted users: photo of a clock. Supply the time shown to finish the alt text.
2:31
